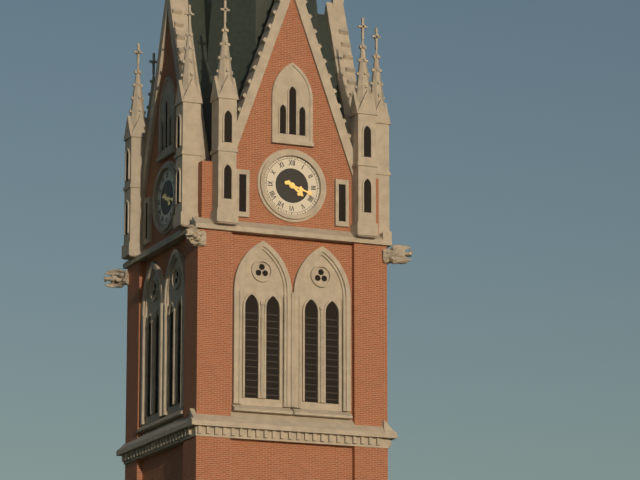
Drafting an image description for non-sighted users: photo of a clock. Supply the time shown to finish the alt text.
4:18
